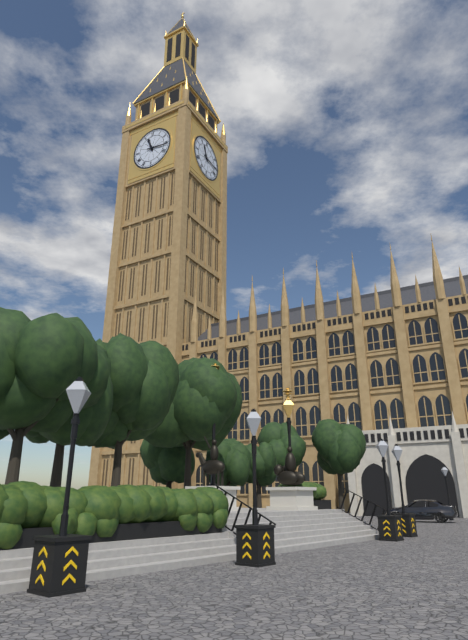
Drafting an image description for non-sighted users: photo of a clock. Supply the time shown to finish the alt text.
11:16
